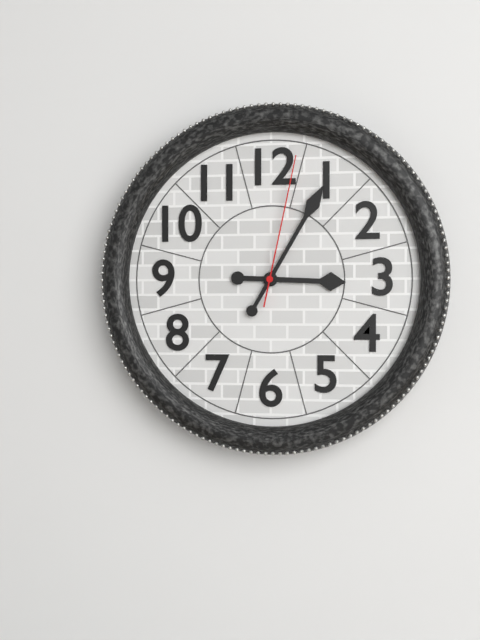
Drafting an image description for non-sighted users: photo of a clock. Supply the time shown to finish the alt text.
3:05:02
